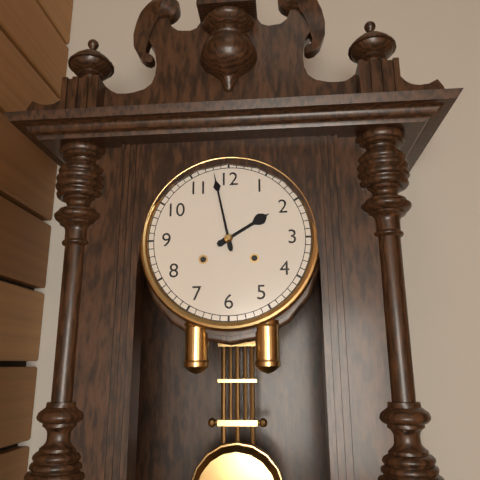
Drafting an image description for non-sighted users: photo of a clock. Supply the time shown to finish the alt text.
1:58
